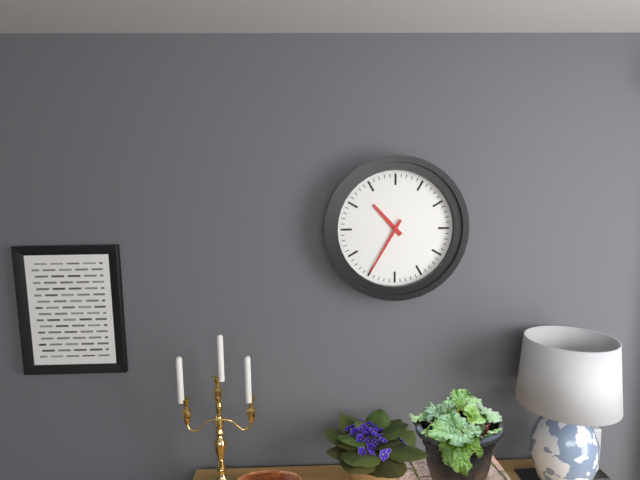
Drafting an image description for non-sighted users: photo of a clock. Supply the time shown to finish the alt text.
10:35
